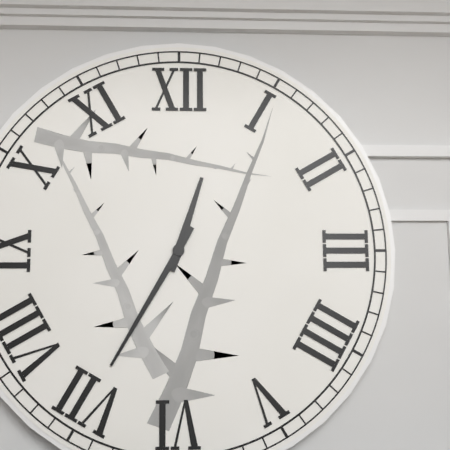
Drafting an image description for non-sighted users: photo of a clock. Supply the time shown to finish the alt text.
12:35
